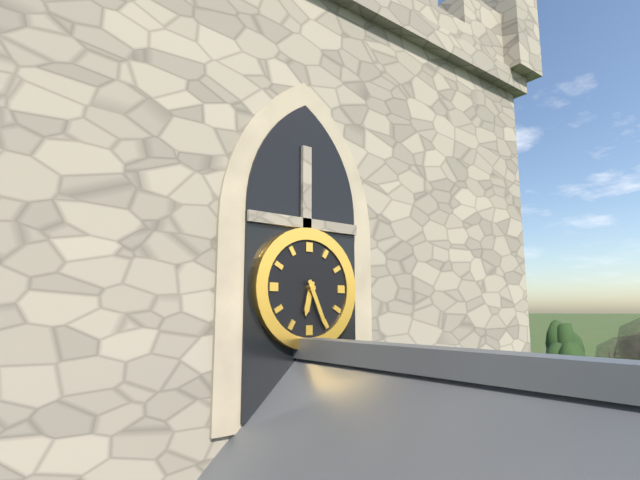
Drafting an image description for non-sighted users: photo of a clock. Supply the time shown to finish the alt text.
6:26
